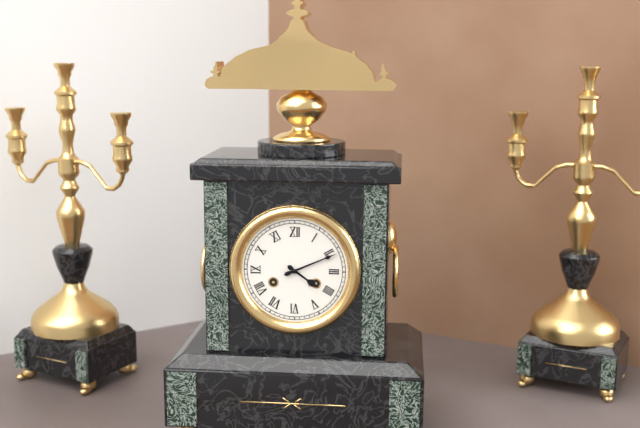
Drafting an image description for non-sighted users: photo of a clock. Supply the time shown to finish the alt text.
4:11
